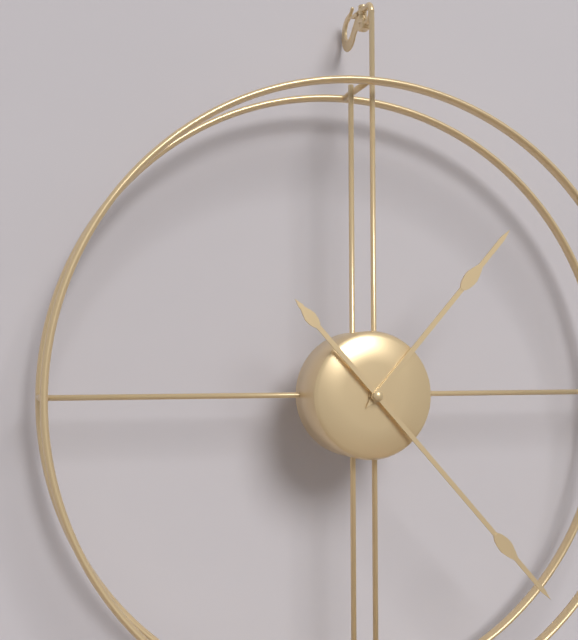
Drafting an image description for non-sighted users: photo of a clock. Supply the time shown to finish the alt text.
1:23
